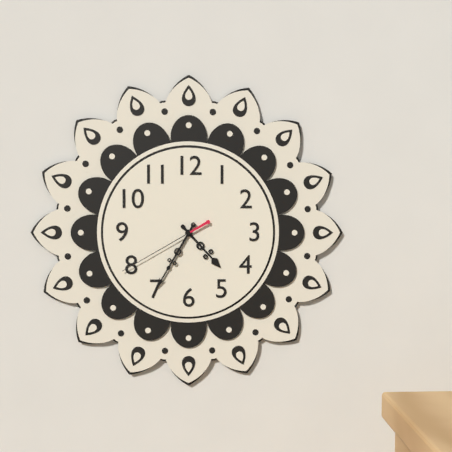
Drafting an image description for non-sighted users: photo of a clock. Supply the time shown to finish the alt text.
4:35:40
